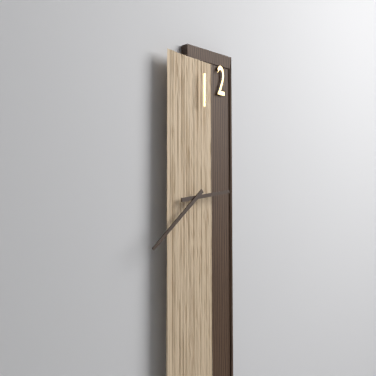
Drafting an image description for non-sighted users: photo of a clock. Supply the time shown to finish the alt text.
2:38
